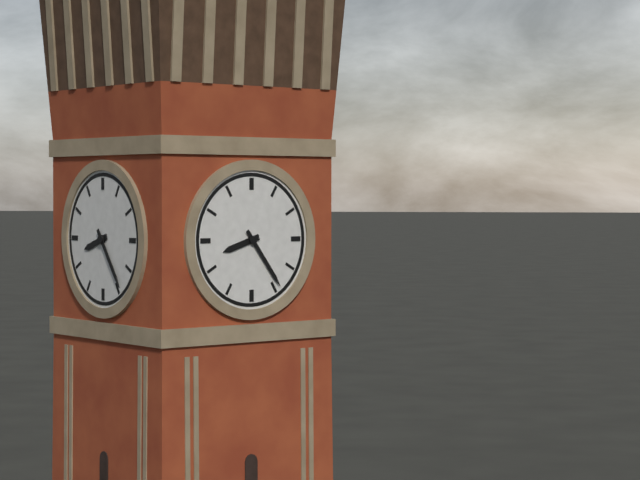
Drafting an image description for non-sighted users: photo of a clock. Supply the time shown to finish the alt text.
8:24
